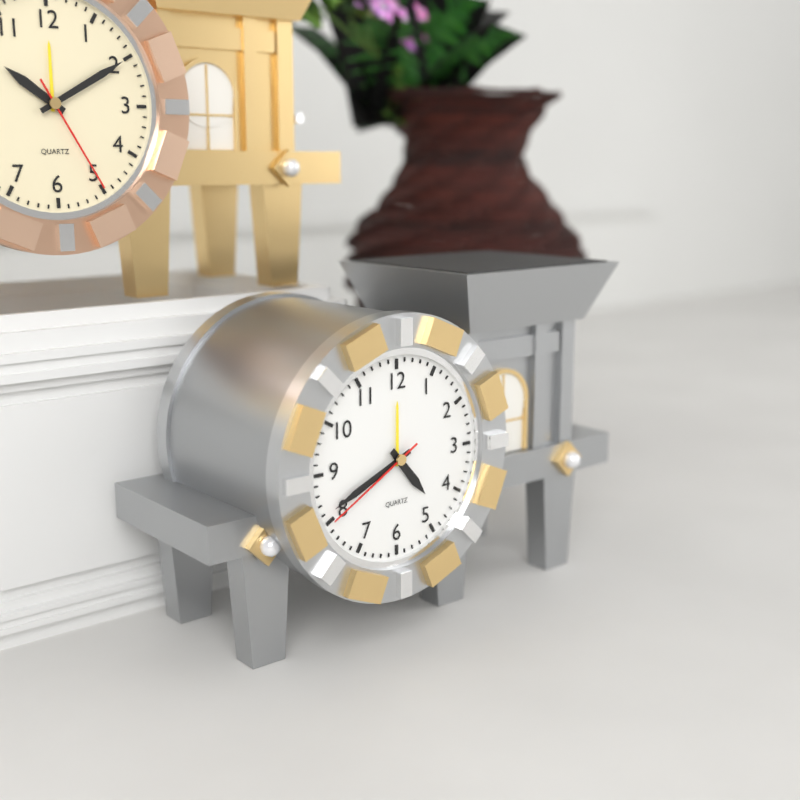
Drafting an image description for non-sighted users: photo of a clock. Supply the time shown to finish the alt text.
4:41:40
